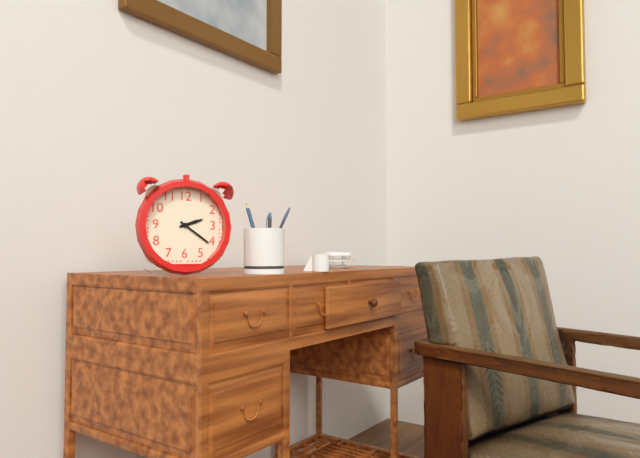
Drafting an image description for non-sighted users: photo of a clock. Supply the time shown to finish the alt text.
2:21
